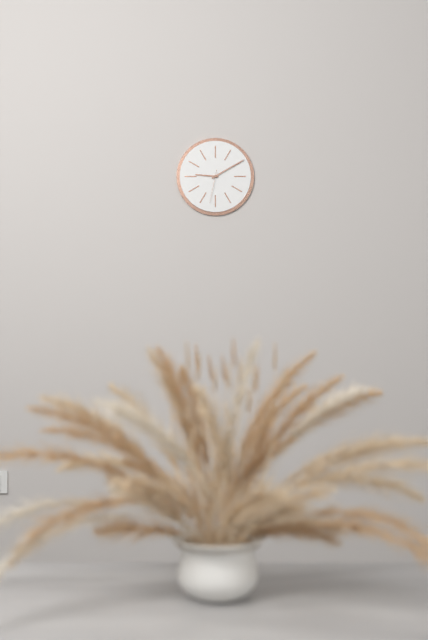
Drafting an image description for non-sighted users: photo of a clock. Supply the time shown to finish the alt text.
9:10
